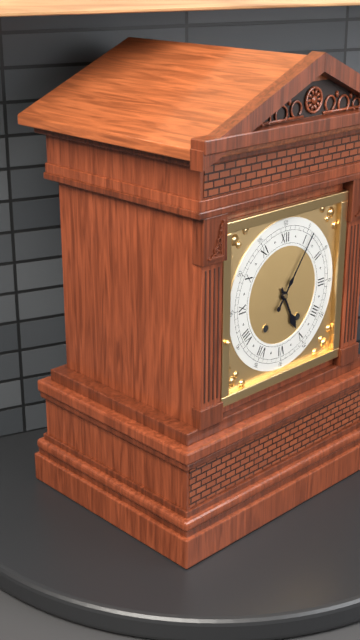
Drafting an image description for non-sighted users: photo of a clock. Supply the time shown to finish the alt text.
5:06
